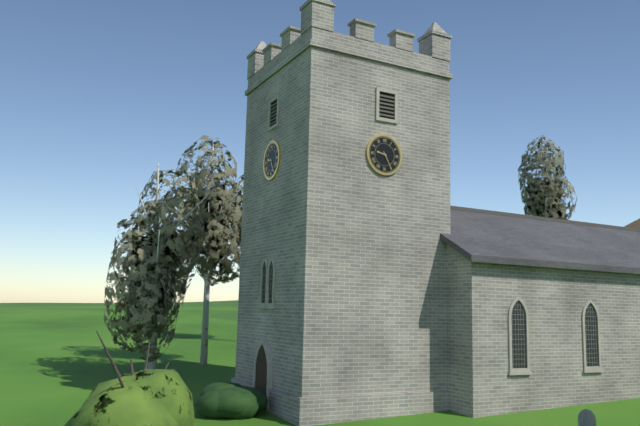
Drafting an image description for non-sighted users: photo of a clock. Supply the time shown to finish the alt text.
9:25
